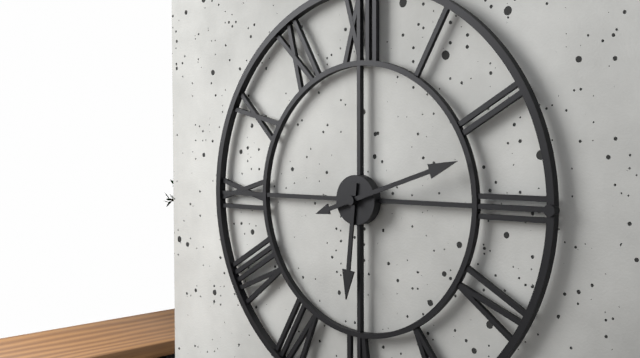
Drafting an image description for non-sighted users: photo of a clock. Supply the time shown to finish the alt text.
6:12
